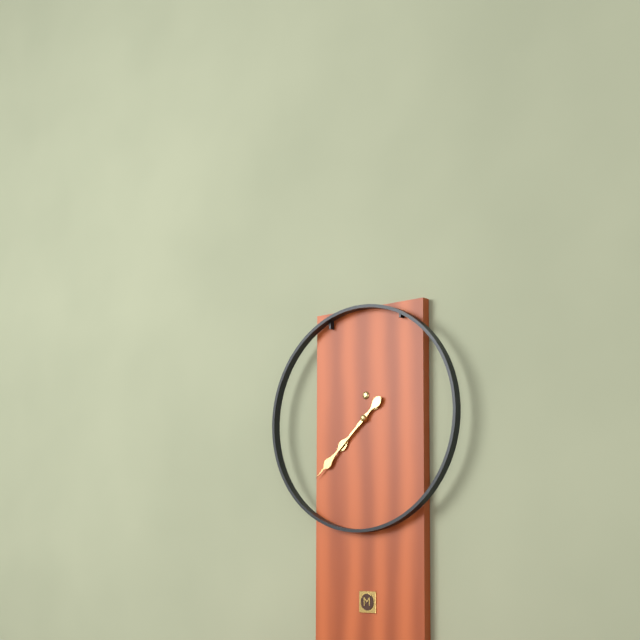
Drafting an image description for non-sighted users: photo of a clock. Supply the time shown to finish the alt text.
7:38
